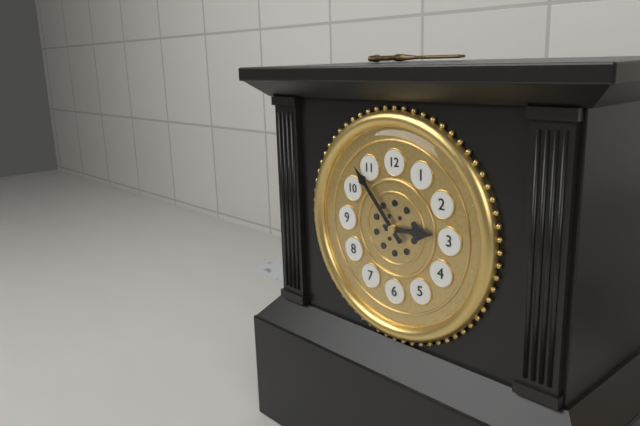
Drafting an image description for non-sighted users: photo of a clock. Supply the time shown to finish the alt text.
2:53
